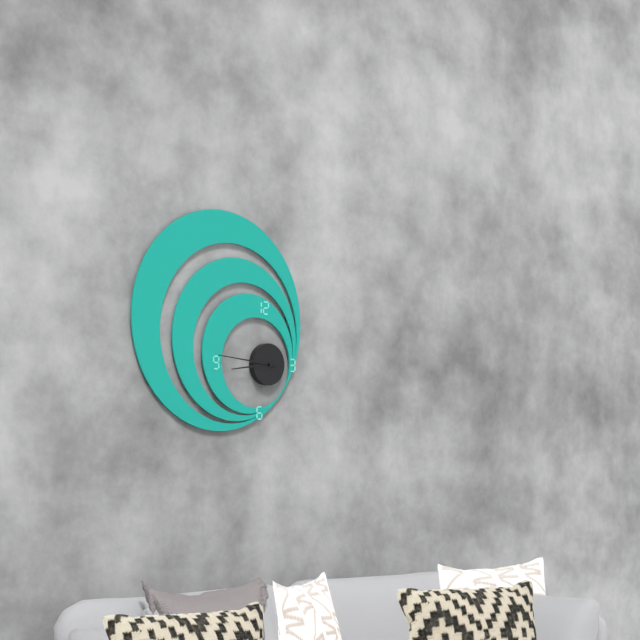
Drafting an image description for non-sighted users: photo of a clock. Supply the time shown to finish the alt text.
8:46
